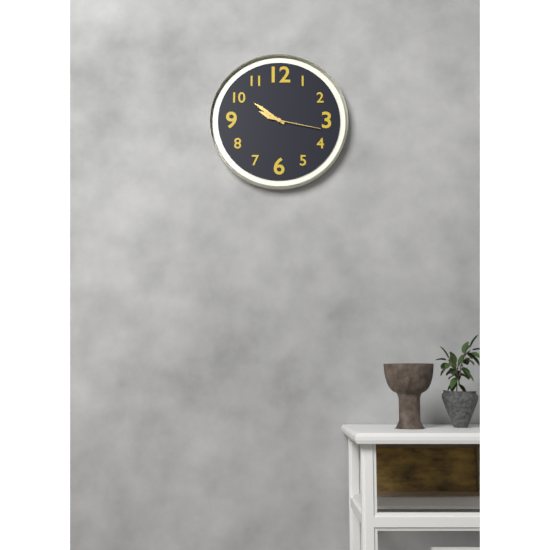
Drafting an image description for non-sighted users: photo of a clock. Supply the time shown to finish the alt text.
9:51:17
